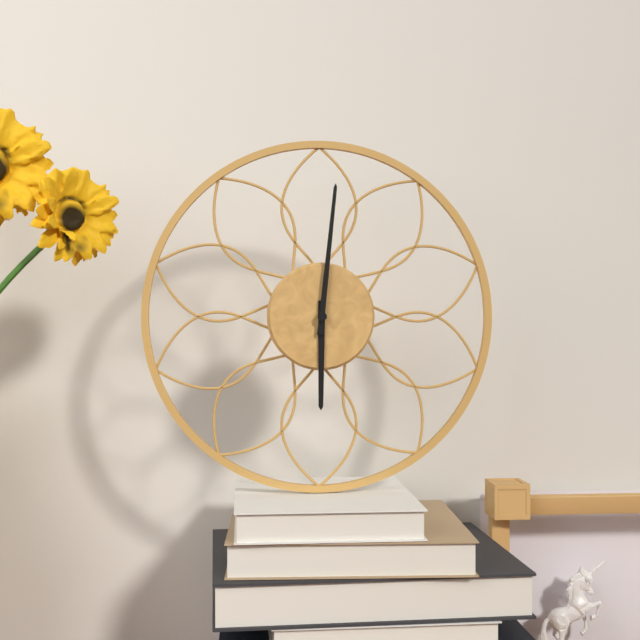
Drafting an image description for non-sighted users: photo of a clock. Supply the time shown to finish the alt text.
6:01
